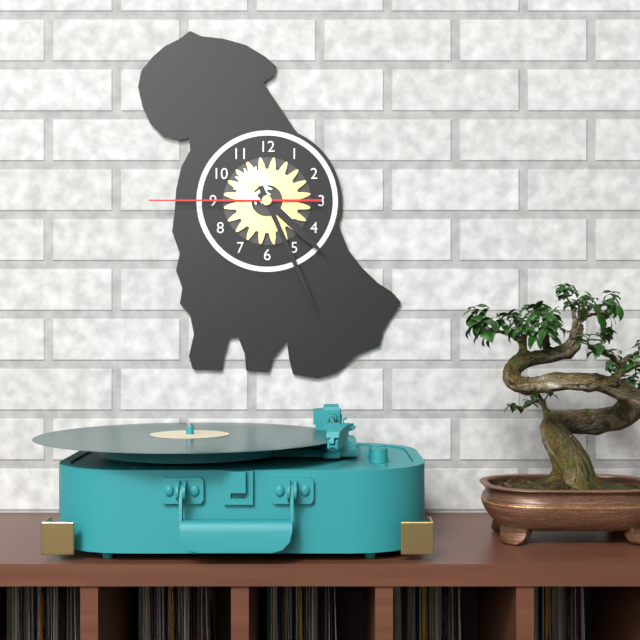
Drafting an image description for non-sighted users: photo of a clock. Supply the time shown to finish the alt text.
4:26:45
